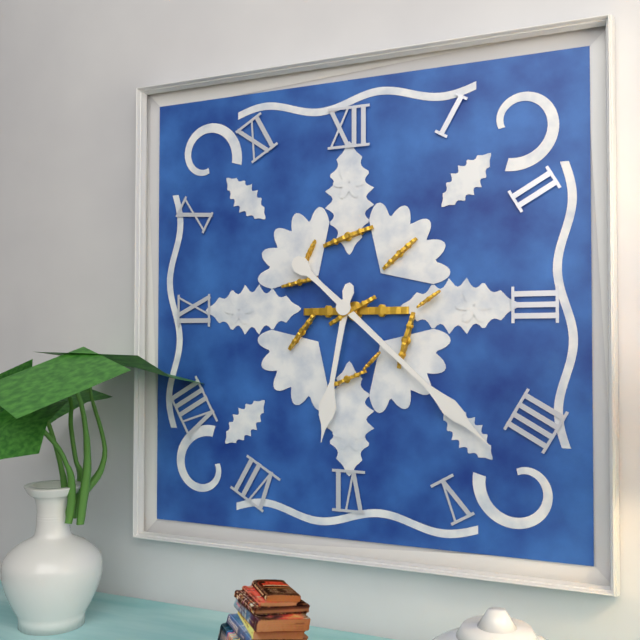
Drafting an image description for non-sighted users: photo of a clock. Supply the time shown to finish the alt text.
6:22
